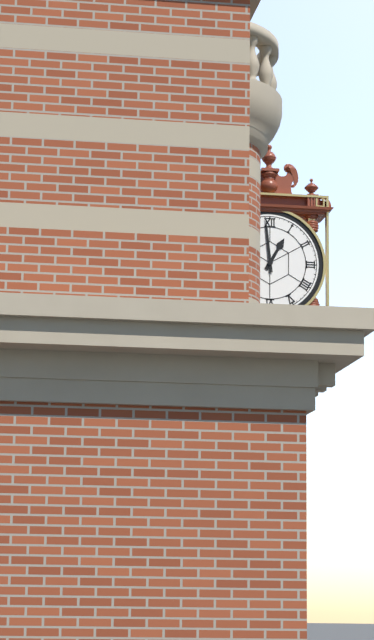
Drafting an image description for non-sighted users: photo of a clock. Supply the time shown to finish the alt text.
12:59
